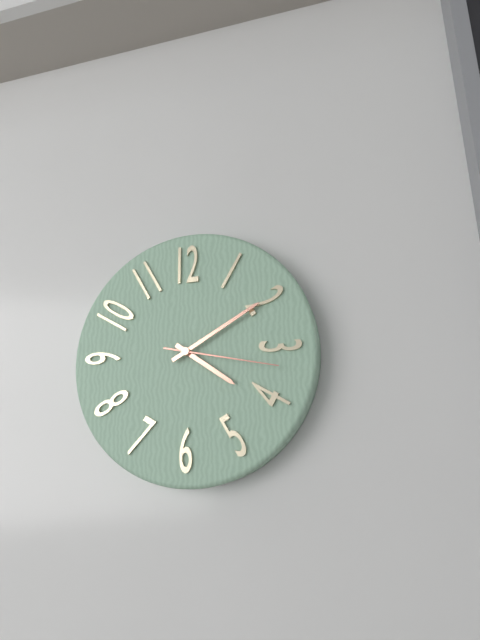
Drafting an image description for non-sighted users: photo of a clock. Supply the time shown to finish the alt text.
4:10:17
